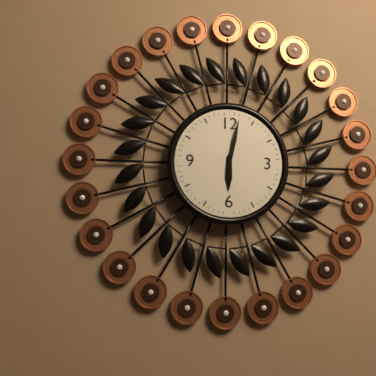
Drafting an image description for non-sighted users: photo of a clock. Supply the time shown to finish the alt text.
6:02
